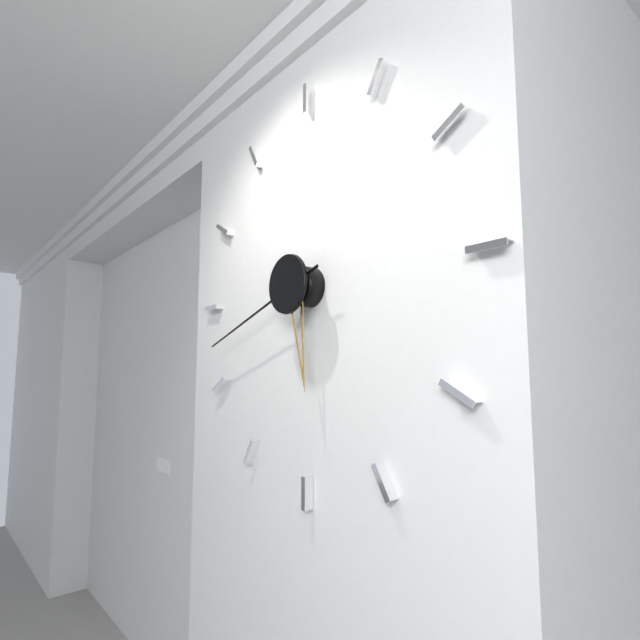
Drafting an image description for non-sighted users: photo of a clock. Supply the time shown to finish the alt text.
5:42
